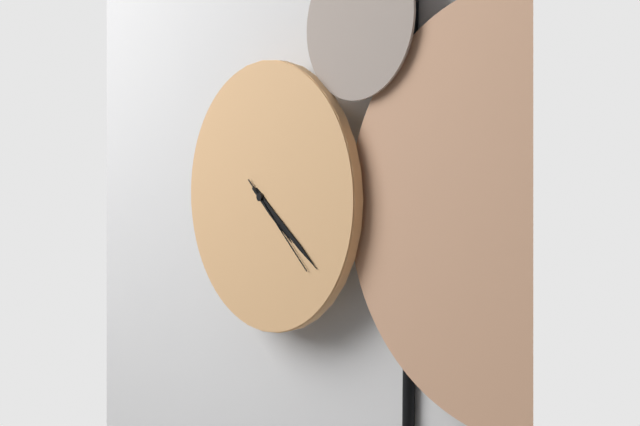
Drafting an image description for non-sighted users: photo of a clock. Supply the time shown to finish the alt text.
4:21:22
